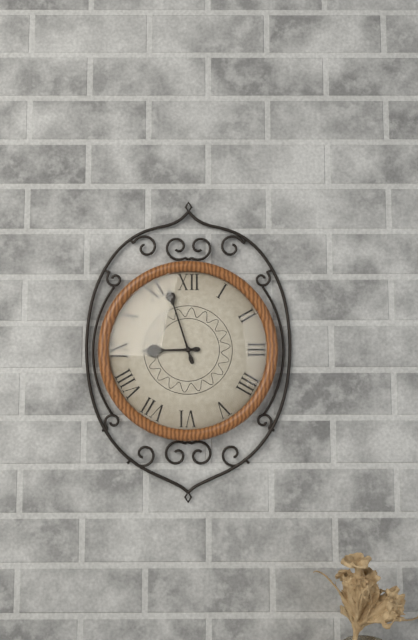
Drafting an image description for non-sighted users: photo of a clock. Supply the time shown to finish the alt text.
8:57
